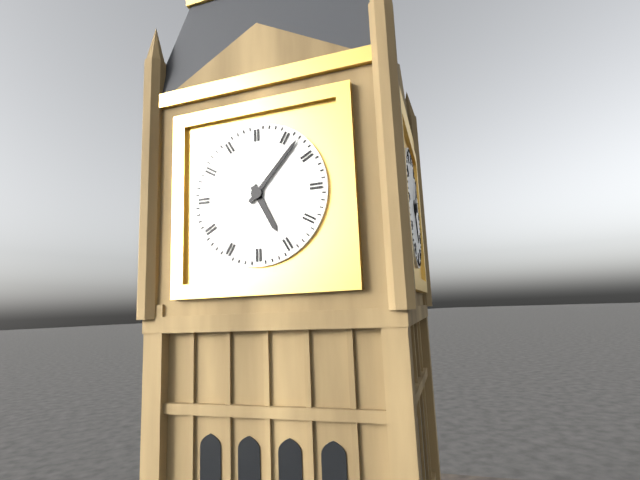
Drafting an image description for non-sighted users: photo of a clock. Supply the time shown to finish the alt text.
5:07
